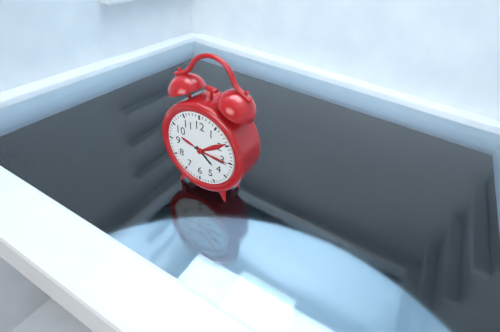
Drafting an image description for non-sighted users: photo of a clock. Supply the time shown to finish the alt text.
4:16
